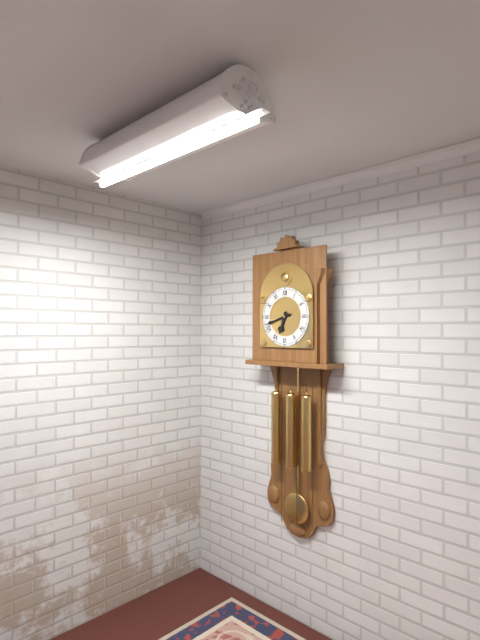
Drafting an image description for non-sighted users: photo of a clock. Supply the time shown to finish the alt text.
6:42
